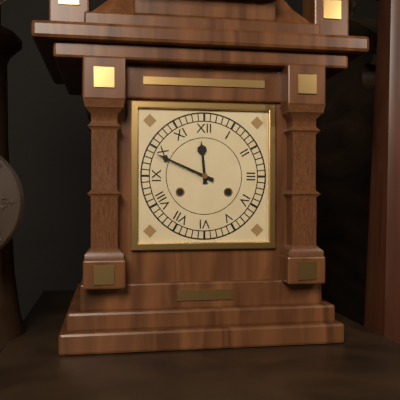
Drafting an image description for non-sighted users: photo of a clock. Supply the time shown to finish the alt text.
11:49
